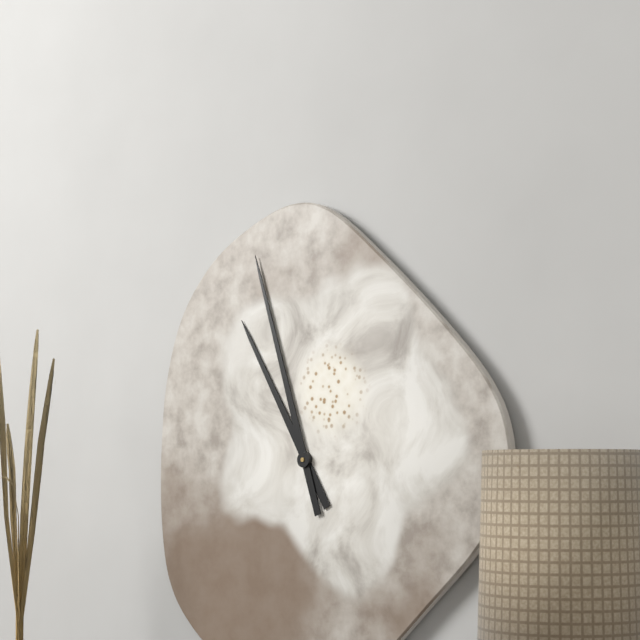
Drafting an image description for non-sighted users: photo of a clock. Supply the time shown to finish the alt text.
10:57
